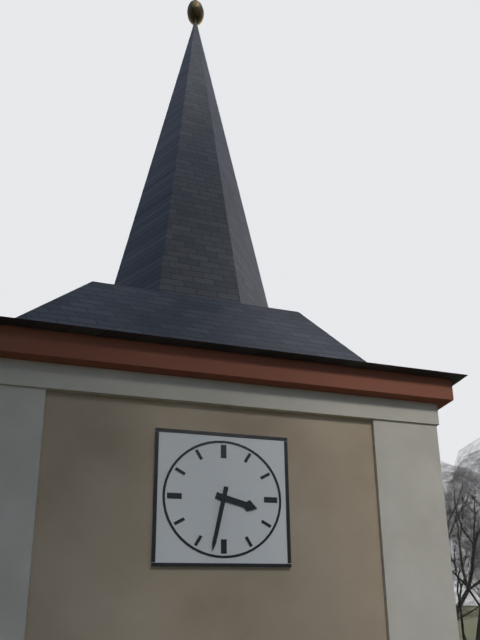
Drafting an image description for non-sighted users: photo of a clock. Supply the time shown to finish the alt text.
3:32
